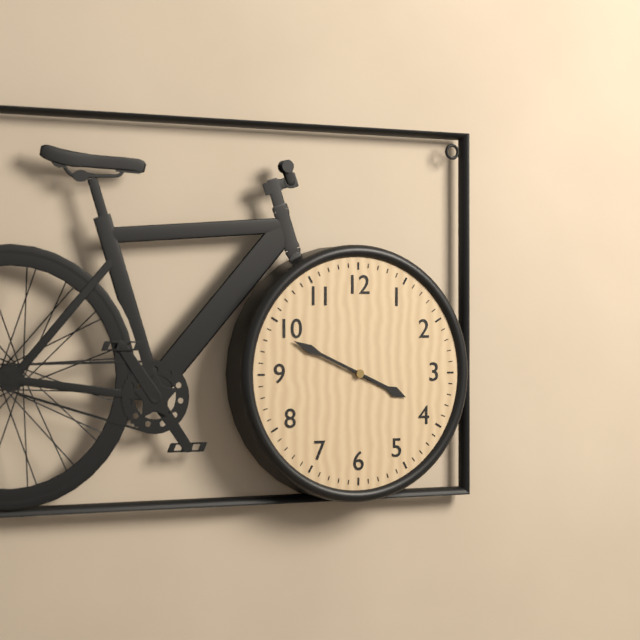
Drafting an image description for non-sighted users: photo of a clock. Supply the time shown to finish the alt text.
3:49
